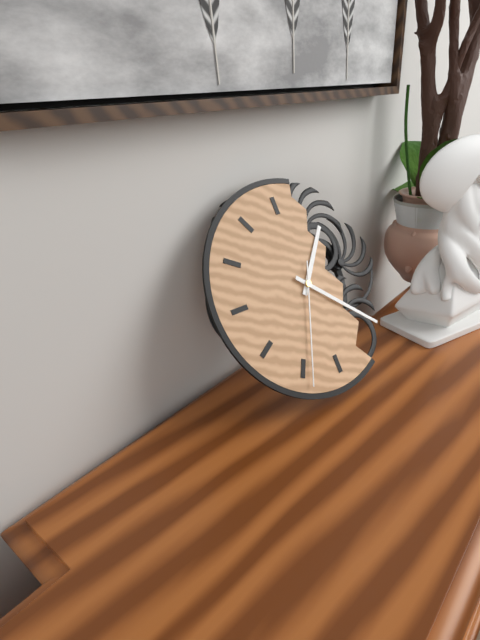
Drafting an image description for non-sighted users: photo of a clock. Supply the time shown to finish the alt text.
1:22:34
